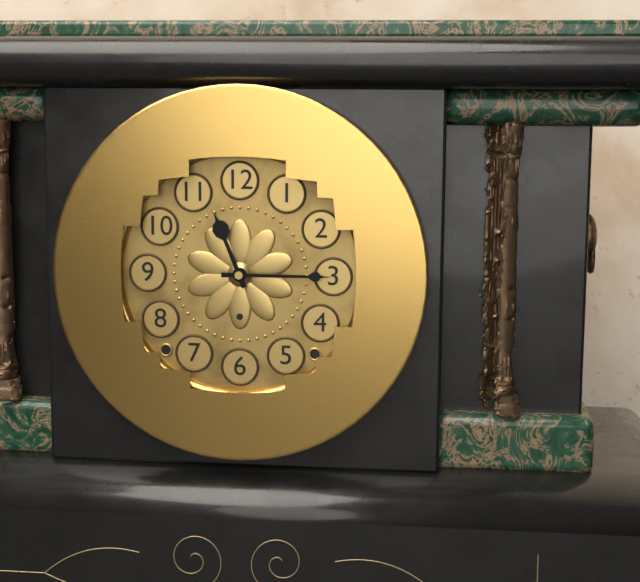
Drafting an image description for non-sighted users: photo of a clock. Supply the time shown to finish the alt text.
11:15
